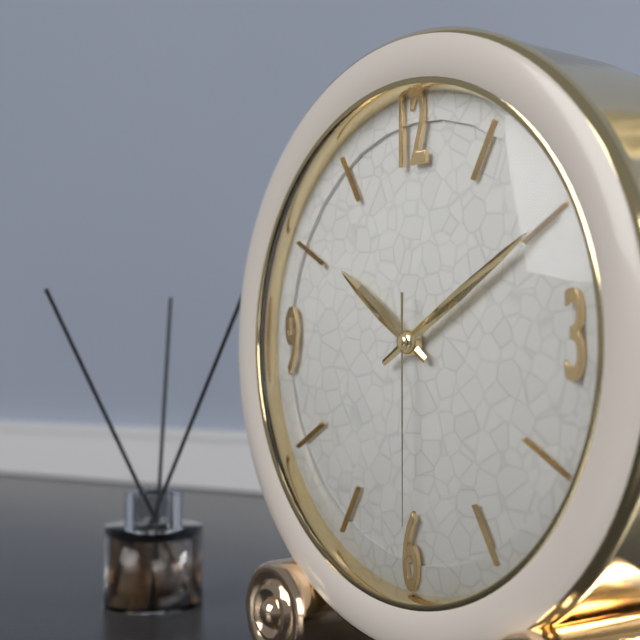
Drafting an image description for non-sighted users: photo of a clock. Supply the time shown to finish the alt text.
10:10:30
